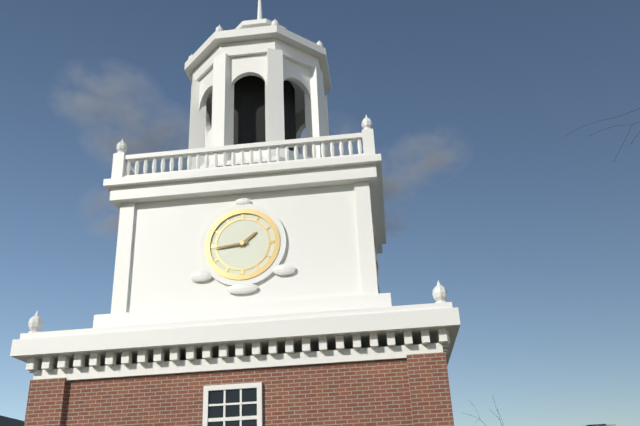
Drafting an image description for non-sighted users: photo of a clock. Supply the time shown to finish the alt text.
1:44
